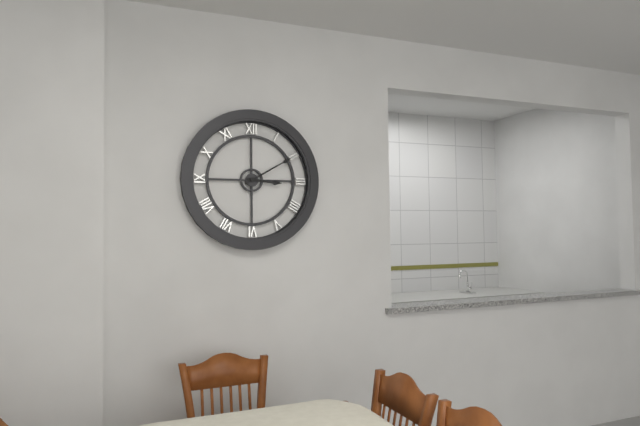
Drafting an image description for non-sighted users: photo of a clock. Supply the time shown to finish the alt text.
3:10
